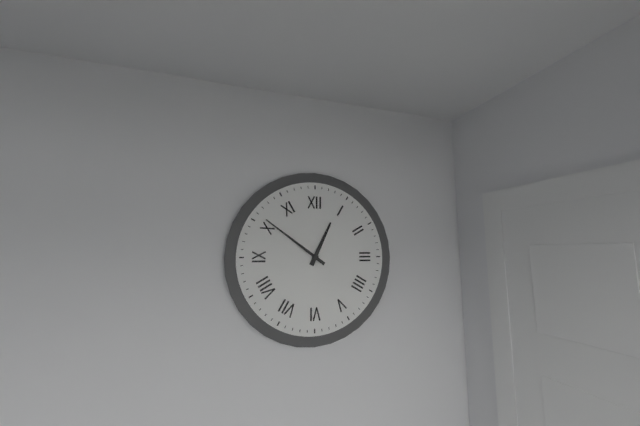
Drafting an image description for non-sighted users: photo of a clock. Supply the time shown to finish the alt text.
12:51
